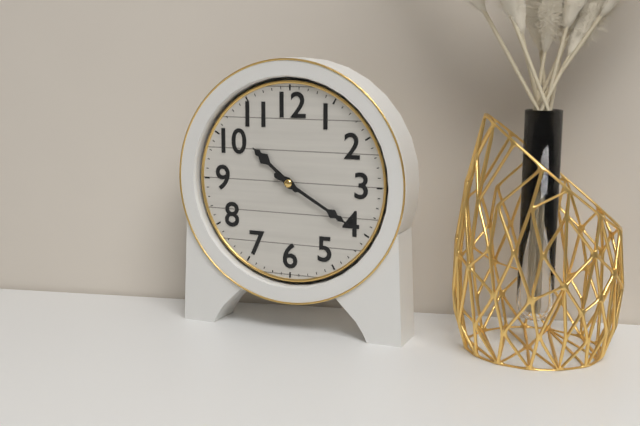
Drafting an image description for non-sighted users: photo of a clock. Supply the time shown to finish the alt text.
10:20
